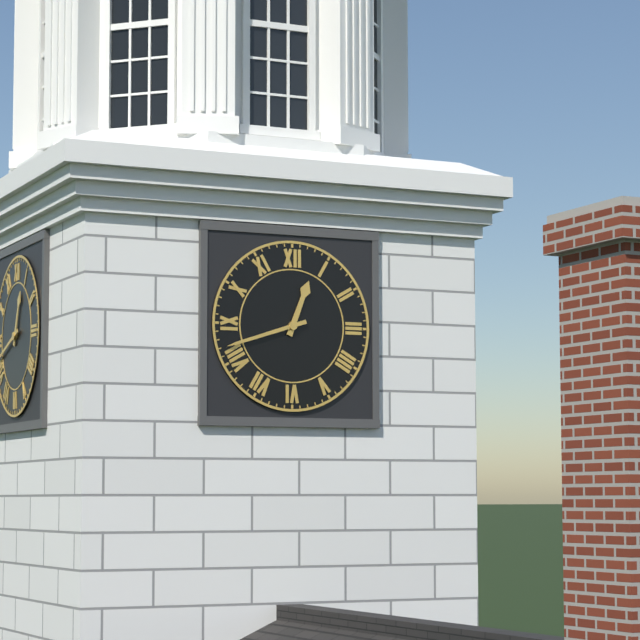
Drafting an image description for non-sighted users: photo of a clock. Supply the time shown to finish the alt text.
12:42
